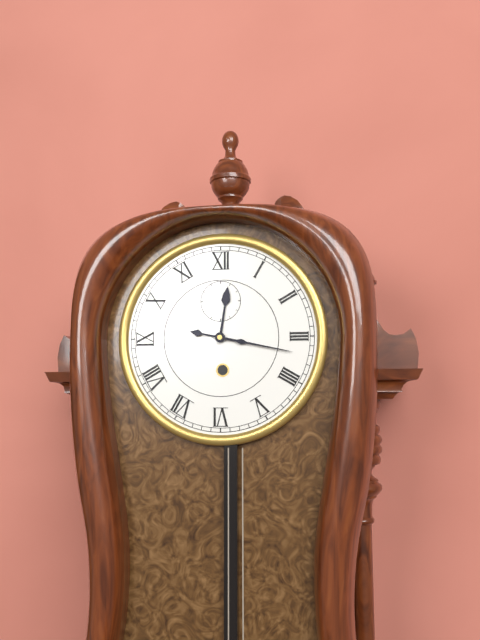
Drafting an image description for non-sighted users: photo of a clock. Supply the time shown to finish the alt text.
12:17
